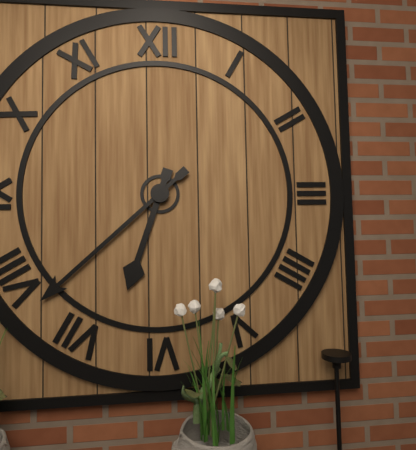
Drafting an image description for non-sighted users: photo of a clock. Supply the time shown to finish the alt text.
6:38
